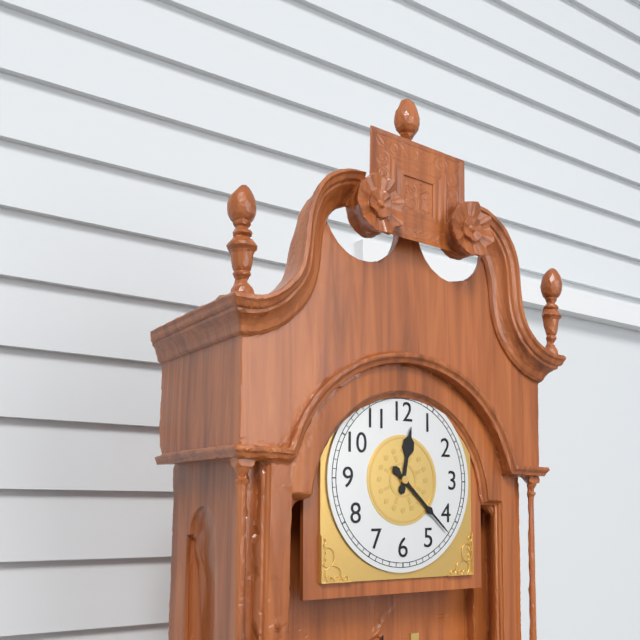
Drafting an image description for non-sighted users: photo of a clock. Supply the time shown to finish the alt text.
12:22
